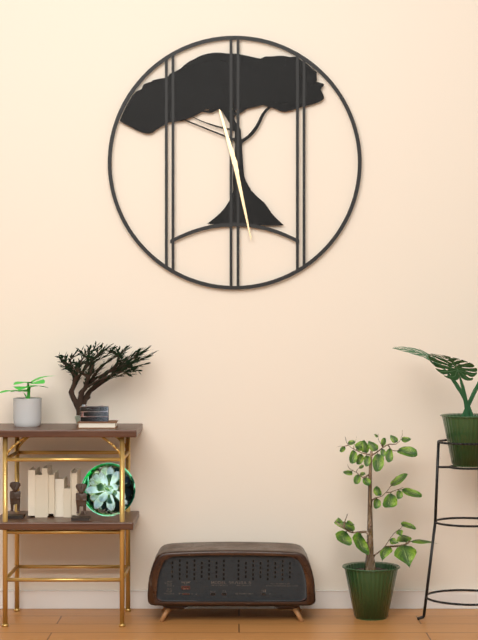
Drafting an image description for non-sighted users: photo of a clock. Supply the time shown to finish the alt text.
11:28
